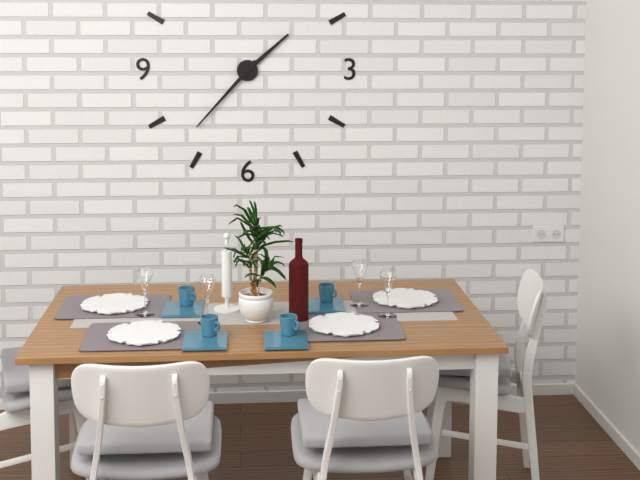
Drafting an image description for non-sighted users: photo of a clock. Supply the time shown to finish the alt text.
1:37
